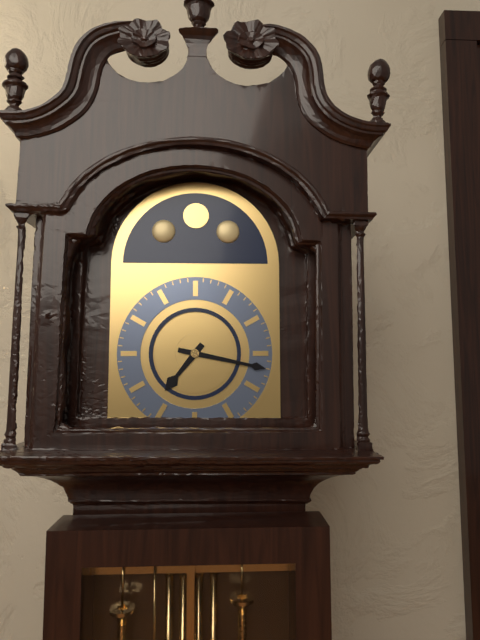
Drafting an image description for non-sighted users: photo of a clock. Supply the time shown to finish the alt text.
7:17
